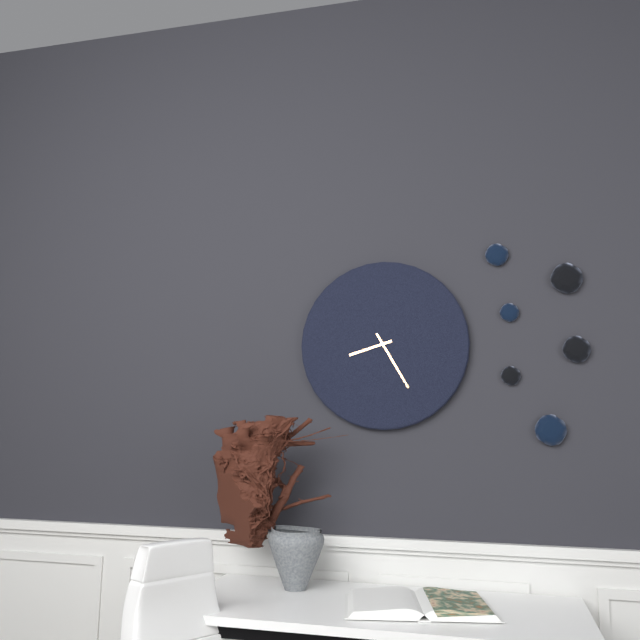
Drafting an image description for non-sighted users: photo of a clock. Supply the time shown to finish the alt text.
8:25
